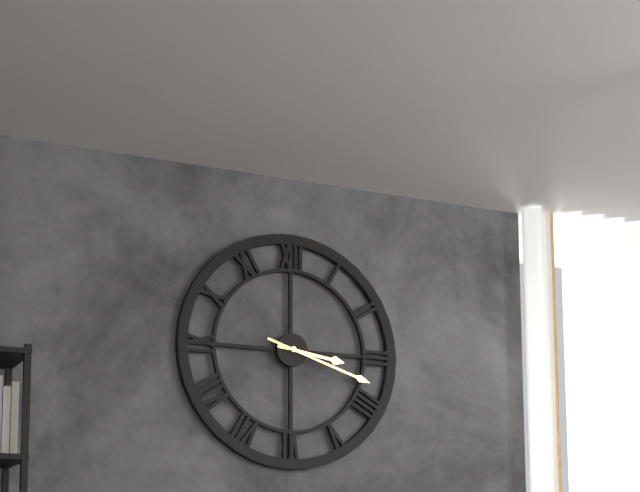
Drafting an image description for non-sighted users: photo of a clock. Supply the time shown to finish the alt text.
3:18
